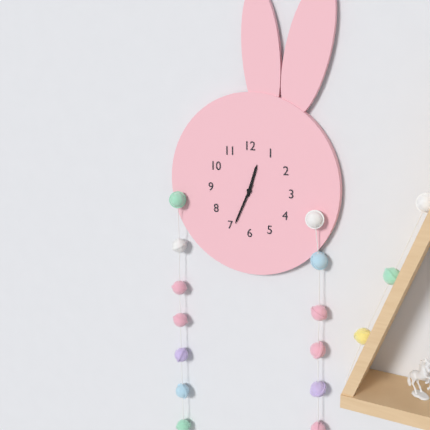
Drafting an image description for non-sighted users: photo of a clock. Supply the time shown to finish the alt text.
12:34
